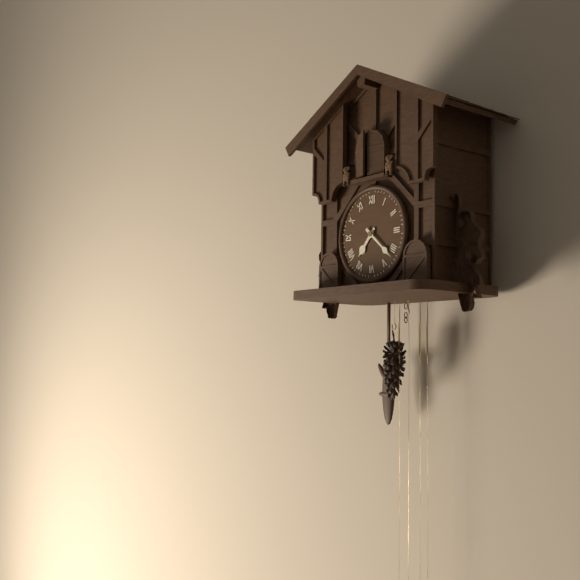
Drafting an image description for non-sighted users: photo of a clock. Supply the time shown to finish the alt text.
7:22
